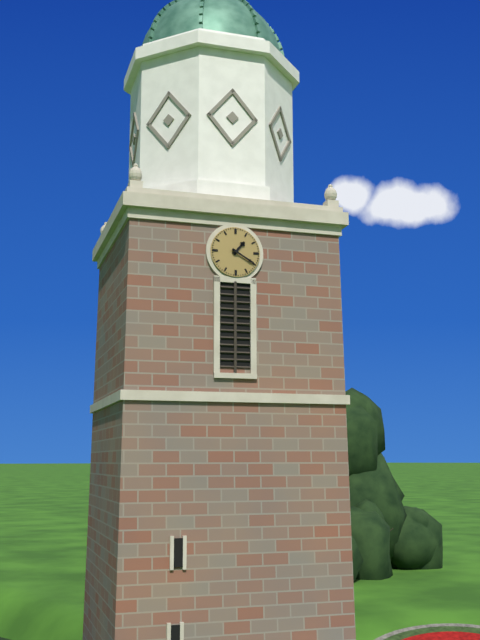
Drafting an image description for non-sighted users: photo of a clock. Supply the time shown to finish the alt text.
1:20
